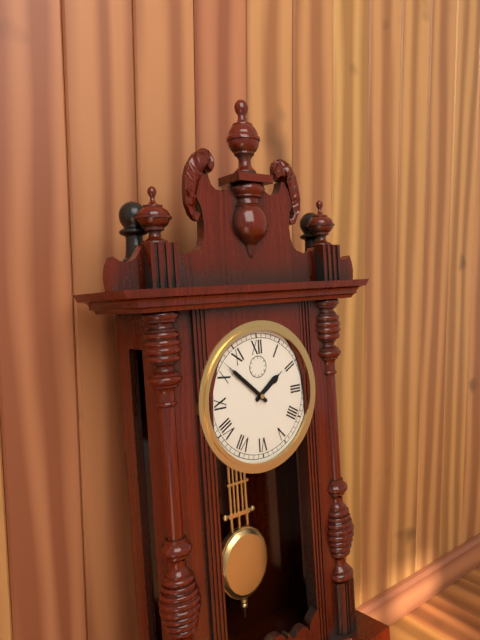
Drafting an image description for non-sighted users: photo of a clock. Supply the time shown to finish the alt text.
1:52
